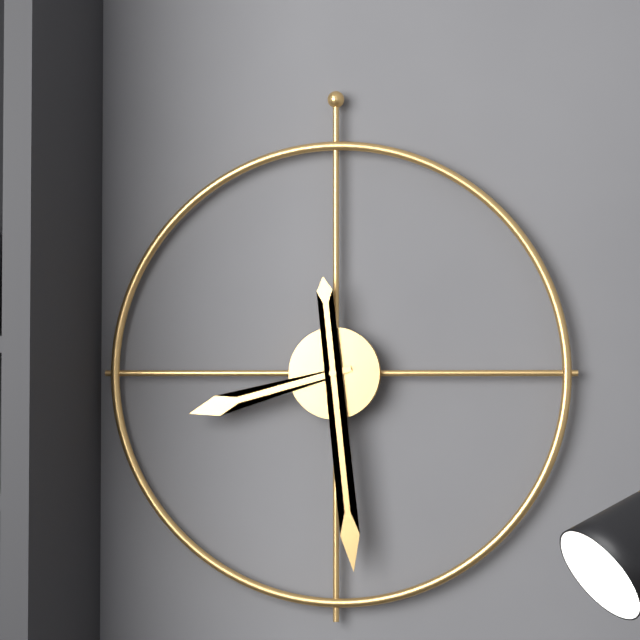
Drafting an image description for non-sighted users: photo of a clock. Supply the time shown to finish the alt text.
8:29
